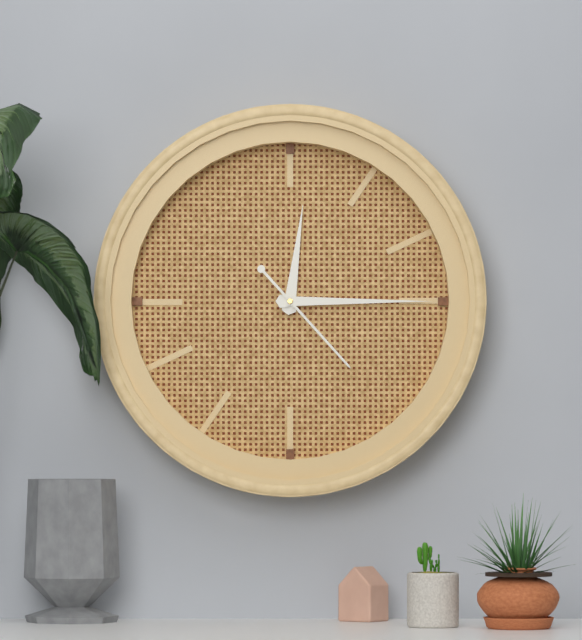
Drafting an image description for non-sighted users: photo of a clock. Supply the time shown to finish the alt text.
12:15:23
